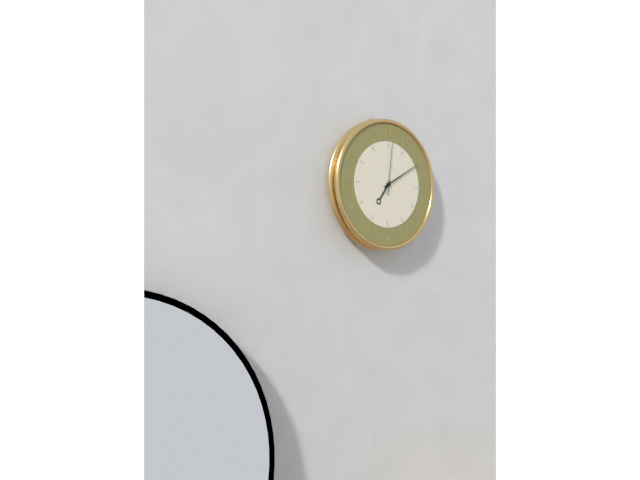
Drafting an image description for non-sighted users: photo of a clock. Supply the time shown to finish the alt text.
7:10:01
